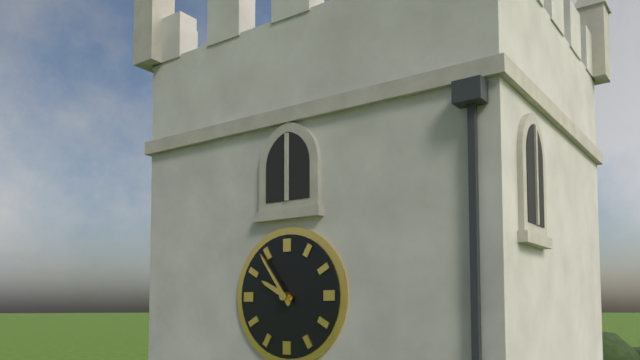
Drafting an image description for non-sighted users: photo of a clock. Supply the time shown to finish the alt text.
9:54
